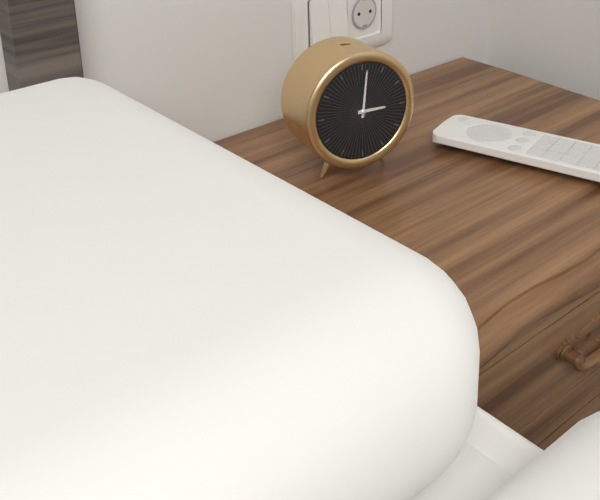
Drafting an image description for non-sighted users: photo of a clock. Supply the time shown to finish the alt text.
3:01
